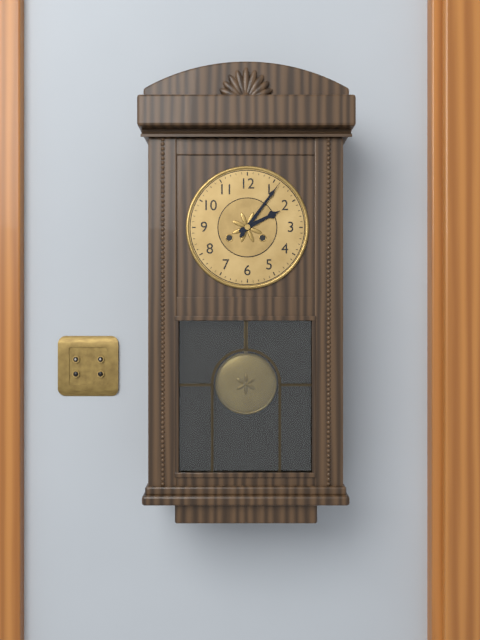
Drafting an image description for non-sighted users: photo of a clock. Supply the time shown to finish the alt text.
2:06
